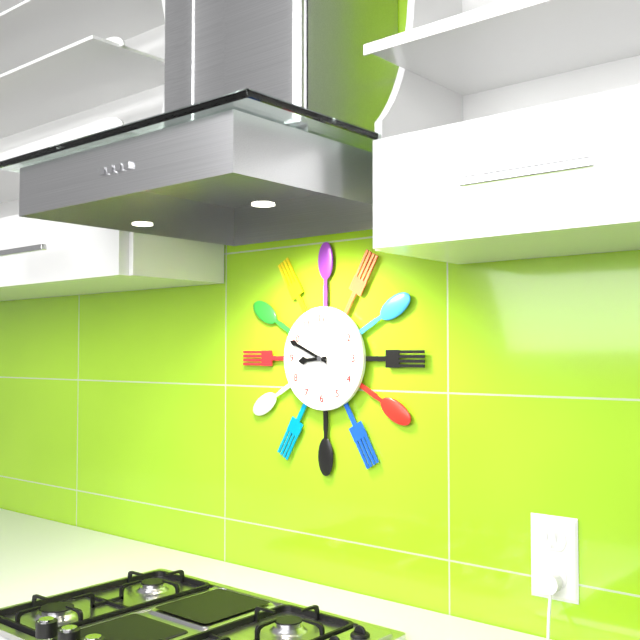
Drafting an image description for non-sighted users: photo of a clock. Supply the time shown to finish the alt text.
8:49
